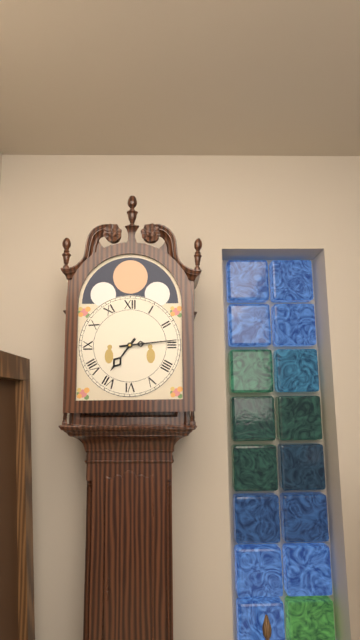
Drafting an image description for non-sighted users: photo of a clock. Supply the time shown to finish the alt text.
7:14
